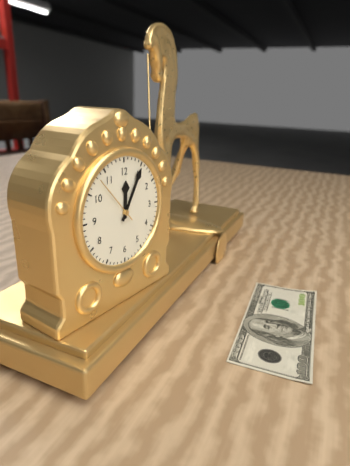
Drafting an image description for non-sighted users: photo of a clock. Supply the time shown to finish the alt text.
12:05:53
